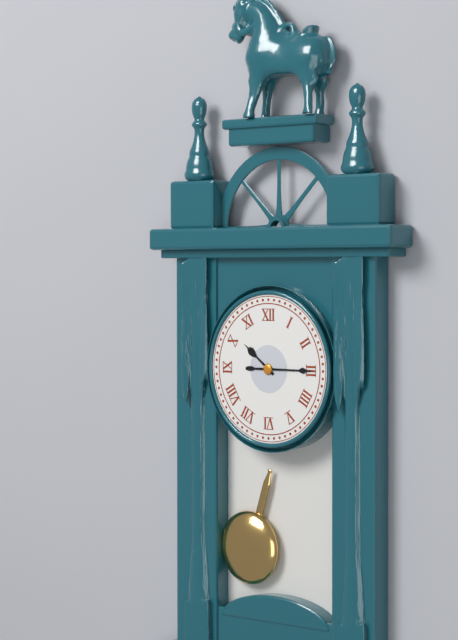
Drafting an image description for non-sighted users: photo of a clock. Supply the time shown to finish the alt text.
10:15
